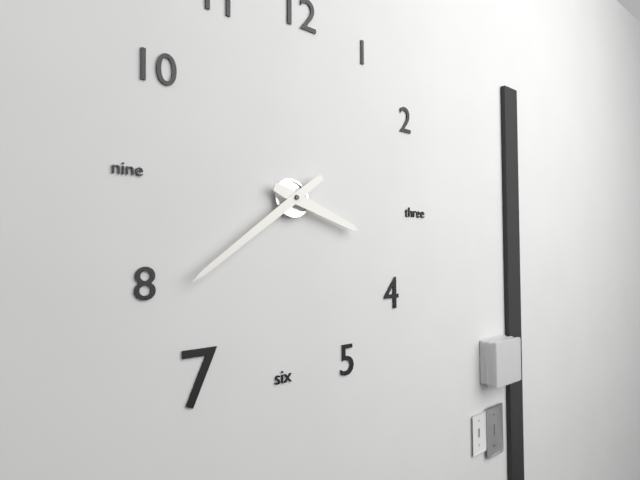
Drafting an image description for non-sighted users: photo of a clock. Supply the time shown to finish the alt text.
3:39
